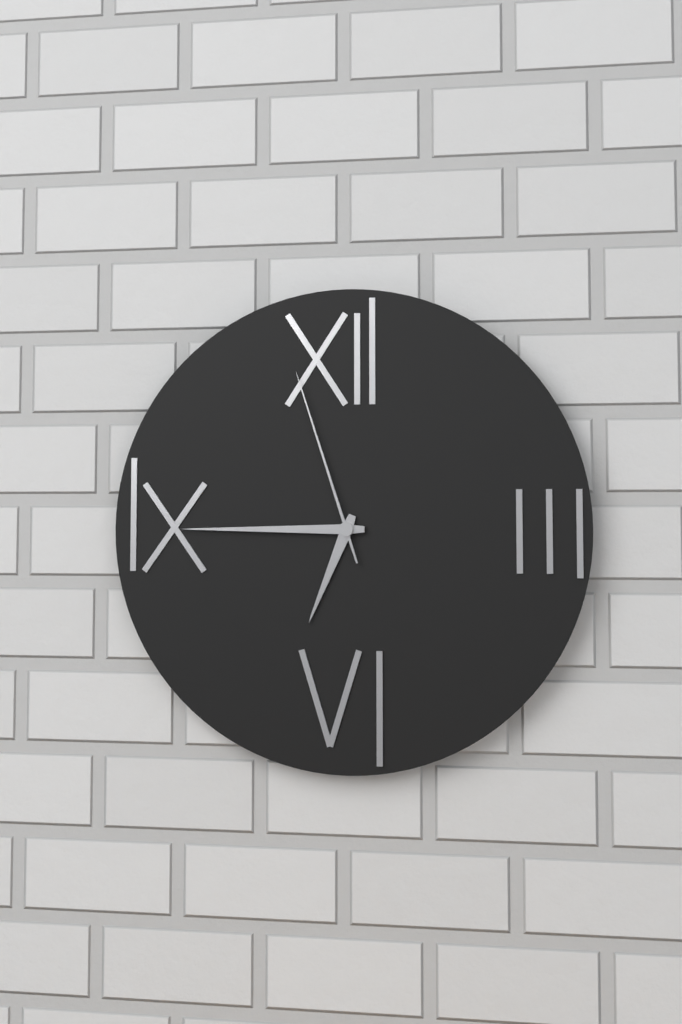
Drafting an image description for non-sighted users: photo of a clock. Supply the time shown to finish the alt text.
6:45:57
